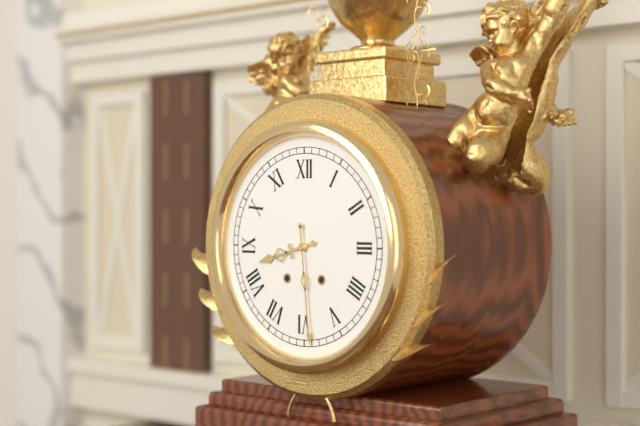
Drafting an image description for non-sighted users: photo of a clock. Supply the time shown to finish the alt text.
8:29
